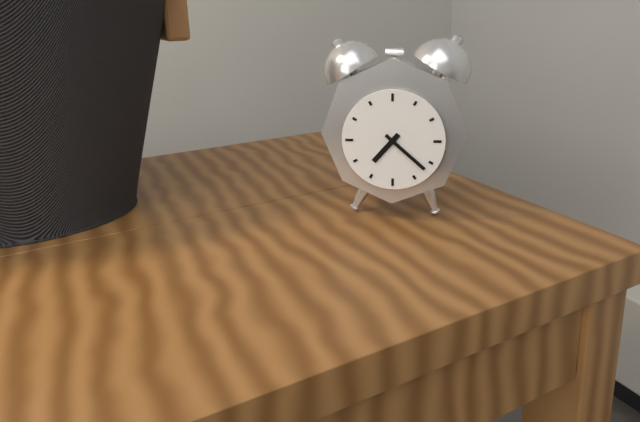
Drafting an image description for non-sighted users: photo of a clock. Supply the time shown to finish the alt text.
7:22
